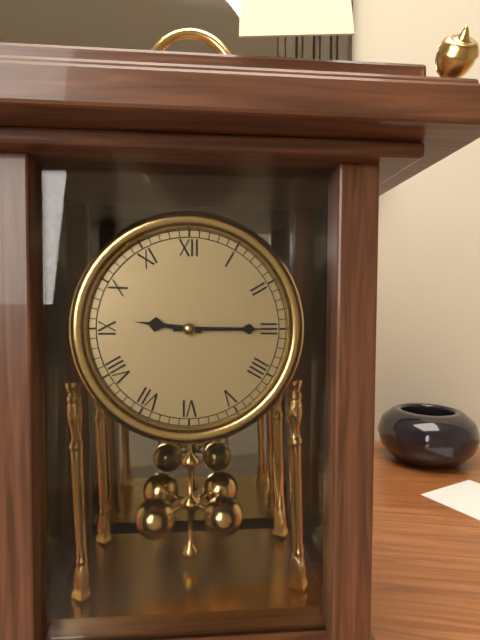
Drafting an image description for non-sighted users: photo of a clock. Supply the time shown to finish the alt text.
9:15
